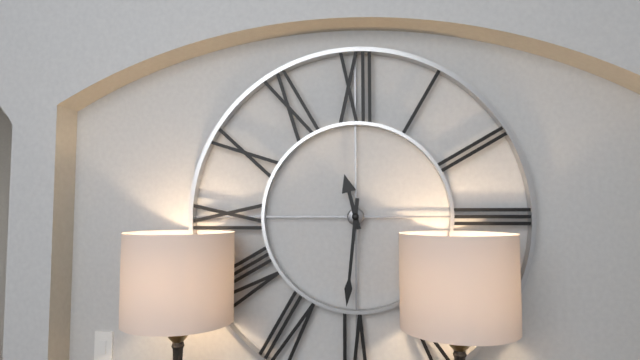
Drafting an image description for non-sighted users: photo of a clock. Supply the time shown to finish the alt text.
11:31
